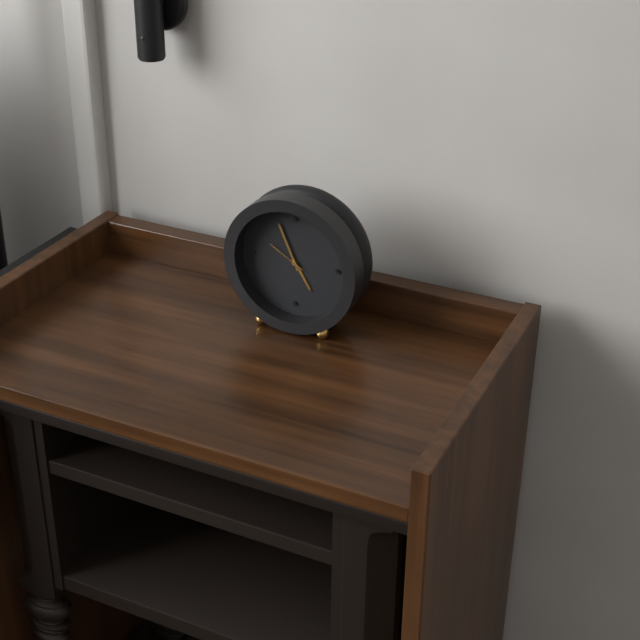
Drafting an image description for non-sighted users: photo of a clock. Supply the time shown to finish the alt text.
4:56
